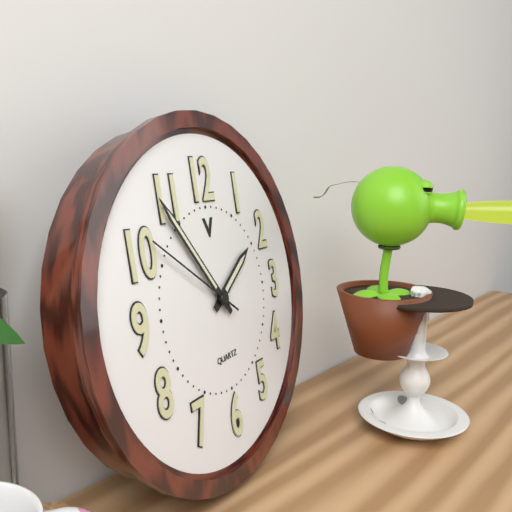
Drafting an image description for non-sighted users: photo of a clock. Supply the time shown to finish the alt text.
1:54:51
